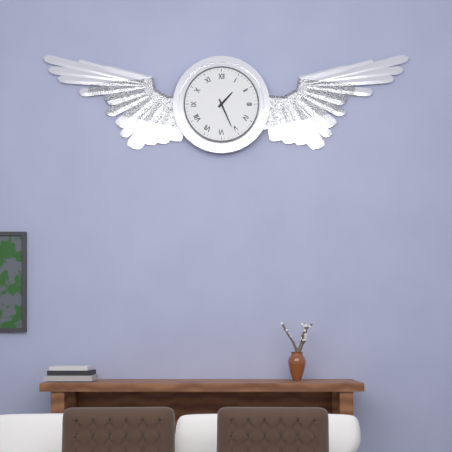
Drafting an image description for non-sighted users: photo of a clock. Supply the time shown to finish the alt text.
1:26
